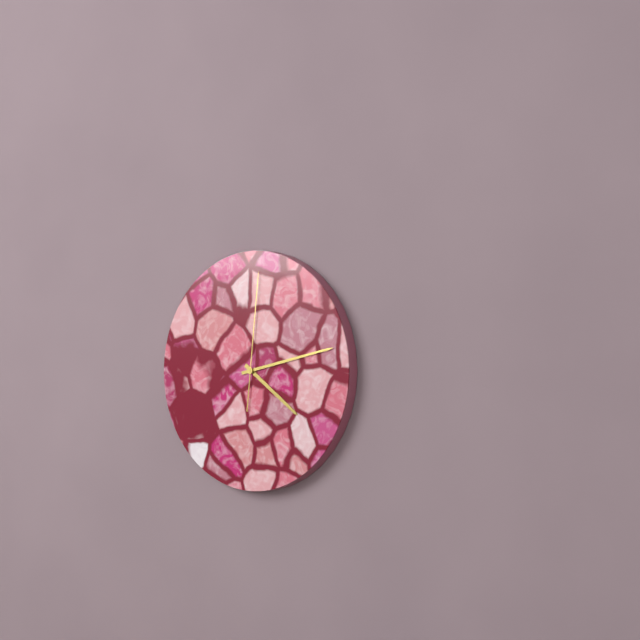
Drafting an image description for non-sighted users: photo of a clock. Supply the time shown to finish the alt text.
4:13:01
